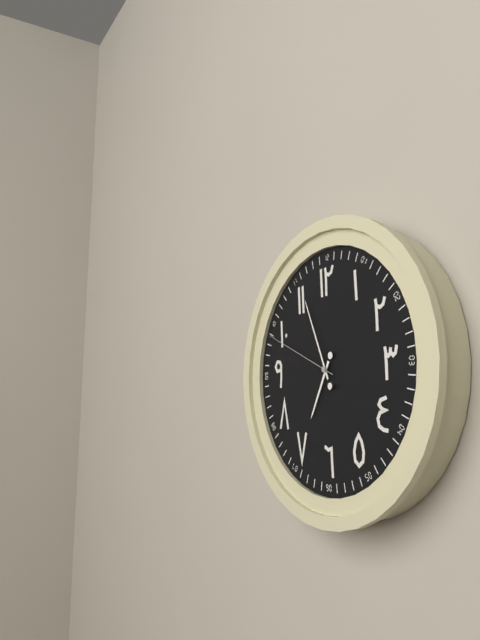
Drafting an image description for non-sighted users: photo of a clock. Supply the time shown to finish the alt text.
6:56:49
